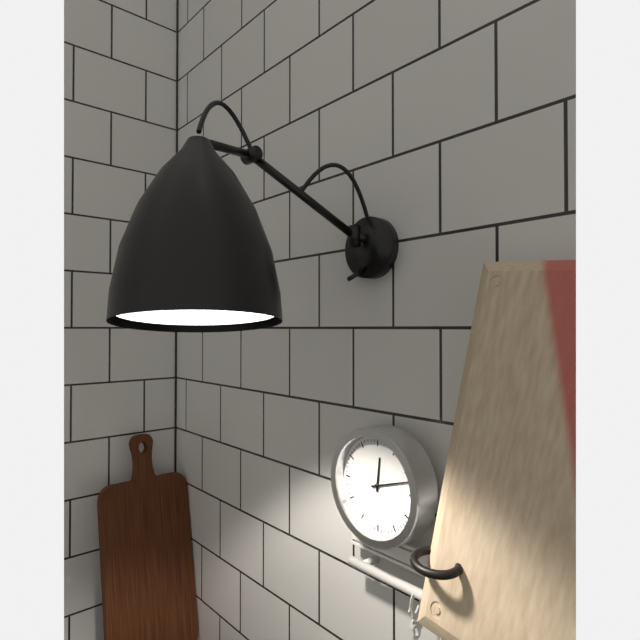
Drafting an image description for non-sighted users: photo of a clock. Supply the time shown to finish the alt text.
12:12
